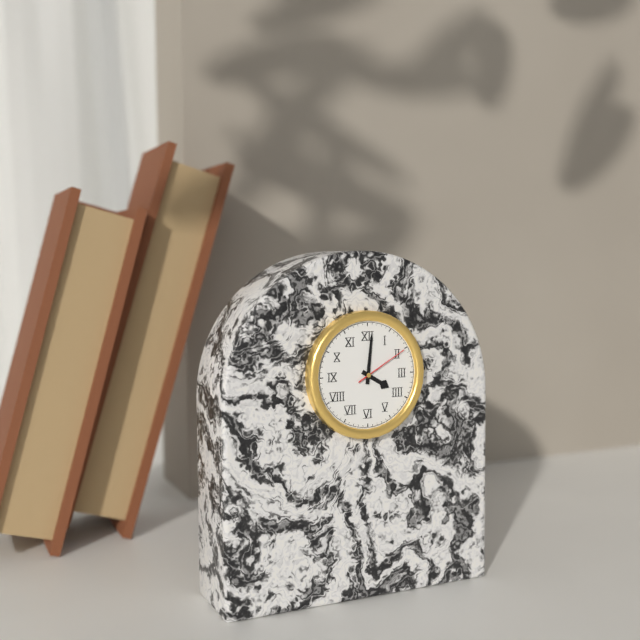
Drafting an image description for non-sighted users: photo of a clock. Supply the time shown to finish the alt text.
4:01:10
